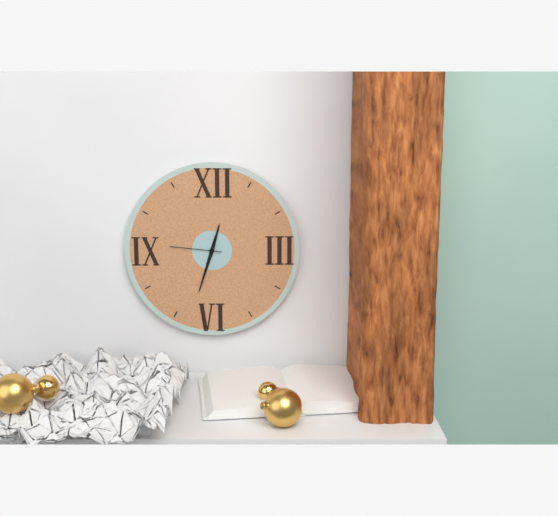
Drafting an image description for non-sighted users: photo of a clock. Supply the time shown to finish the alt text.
12:33:46
